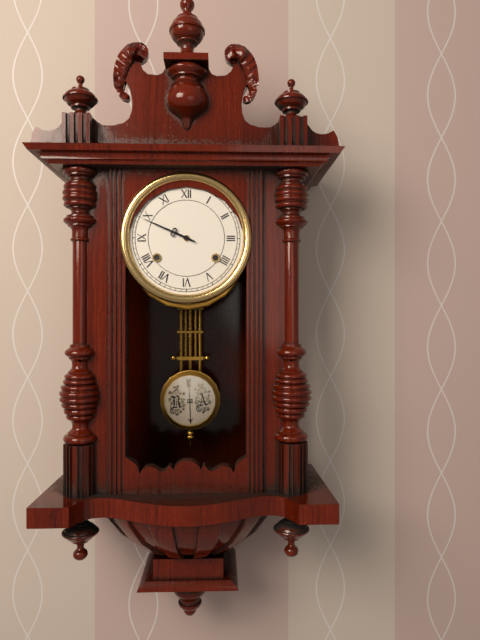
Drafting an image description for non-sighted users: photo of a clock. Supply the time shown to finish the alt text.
9:49
